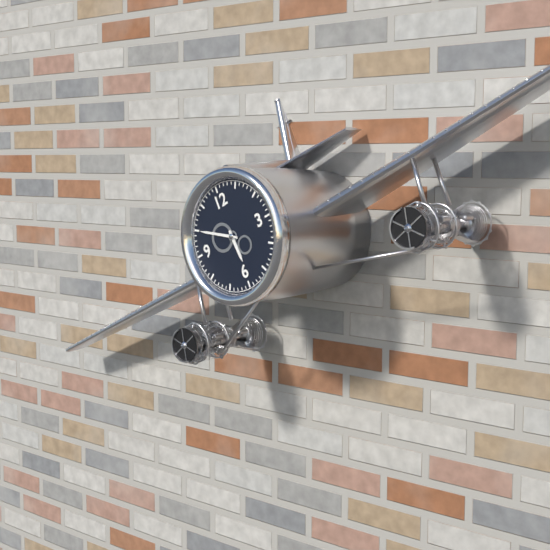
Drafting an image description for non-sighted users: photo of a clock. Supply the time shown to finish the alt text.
5:50
